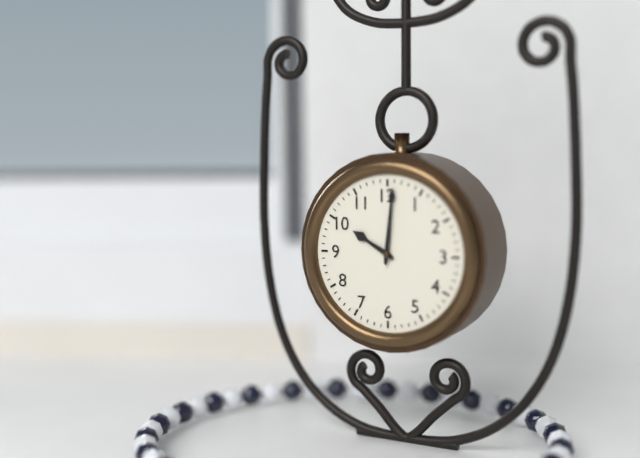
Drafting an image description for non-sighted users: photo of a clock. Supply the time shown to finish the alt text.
10:01
